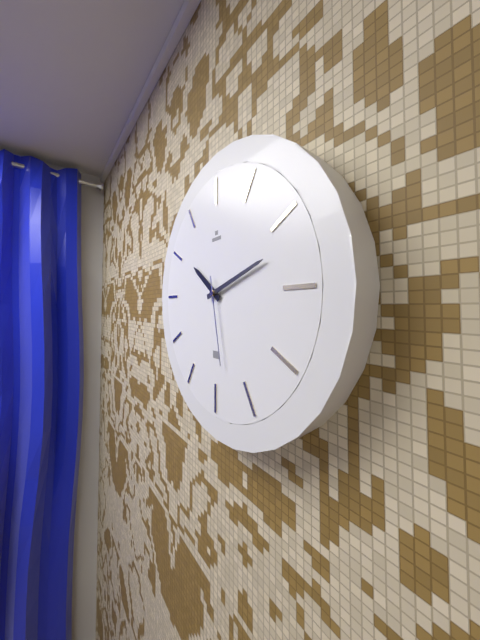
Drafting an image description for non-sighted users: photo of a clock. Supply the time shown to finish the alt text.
10:12:28
